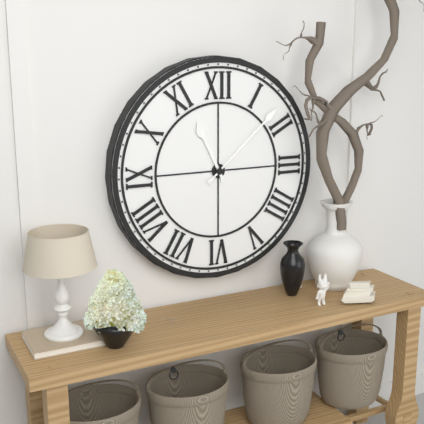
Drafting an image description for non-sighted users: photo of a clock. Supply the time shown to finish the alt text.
11:08
